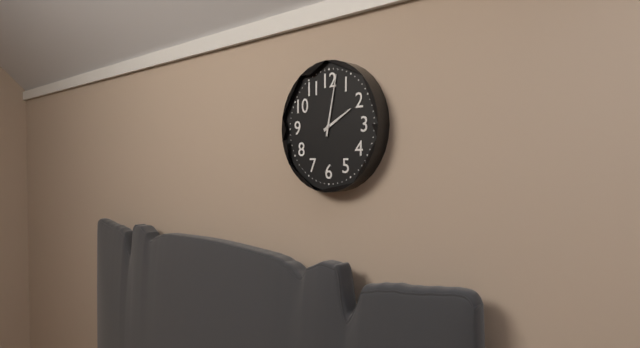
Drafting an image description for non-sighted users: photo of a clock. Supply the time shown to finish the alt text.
2:02
